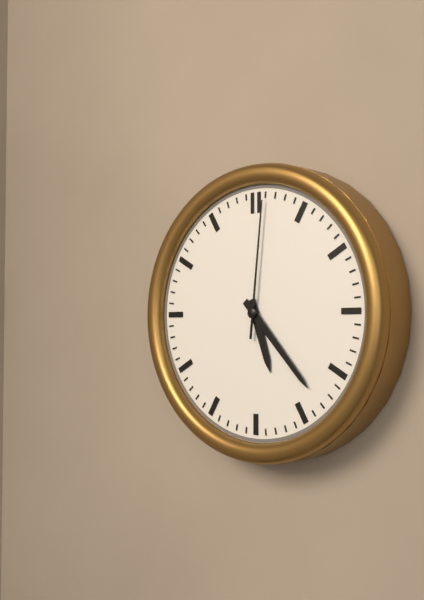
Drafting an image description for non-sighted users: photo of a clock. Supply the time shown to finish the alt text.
5:23:01
